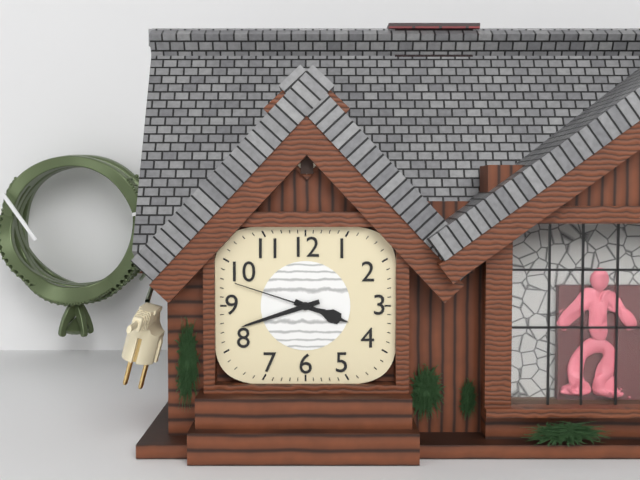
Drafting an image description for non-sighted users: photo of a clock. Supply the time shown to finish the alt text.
3:42:48
